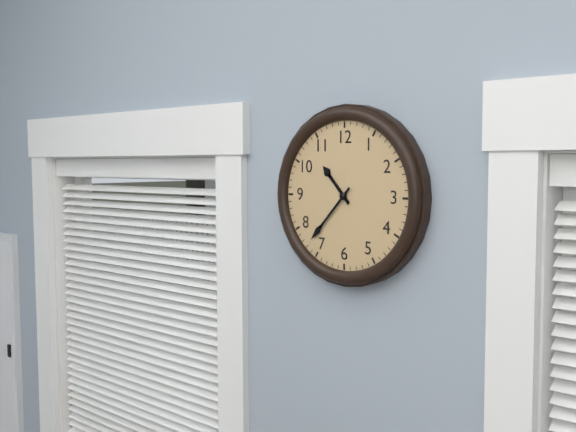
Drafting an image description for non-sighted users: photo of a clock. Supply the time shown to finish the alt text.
10:37
